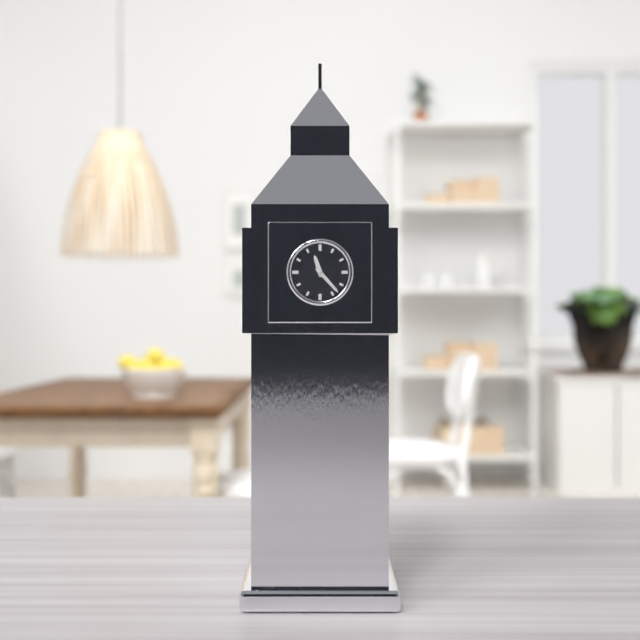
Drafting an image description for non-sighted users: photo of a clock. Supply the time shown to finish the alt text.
11:23
